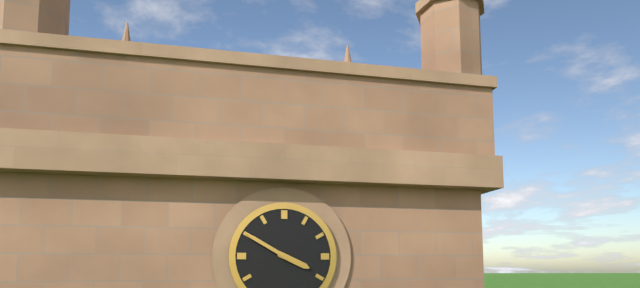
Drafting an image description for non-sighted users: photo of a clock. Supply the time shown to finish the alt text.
3:50
